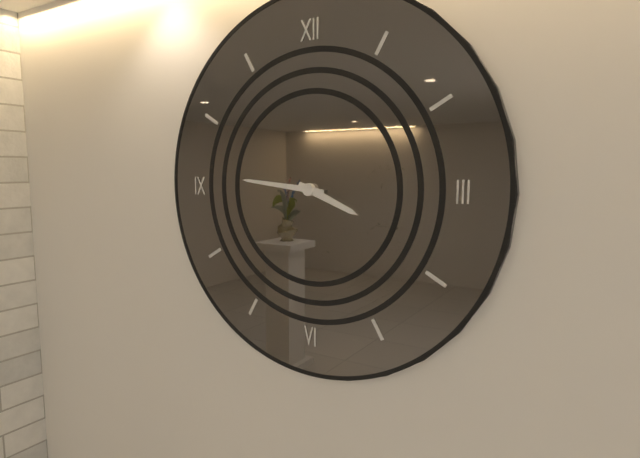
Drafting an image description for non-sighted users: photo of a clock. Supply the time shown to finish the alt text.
3:46
